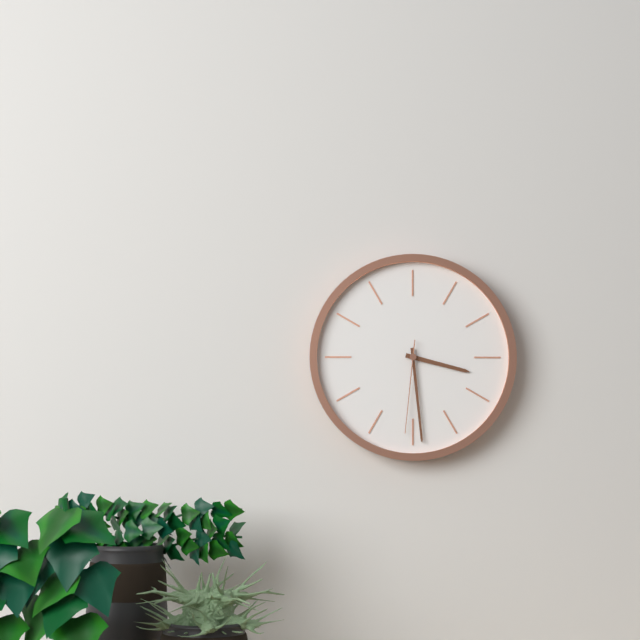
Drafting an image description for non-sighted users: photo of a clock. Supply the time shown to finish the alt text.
3:29:31
